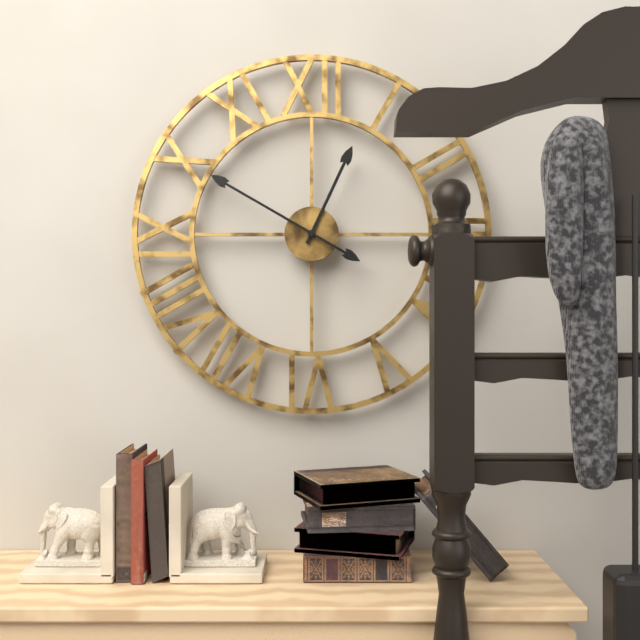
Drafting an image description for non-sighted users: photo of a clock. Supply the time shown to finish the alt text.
12:50
